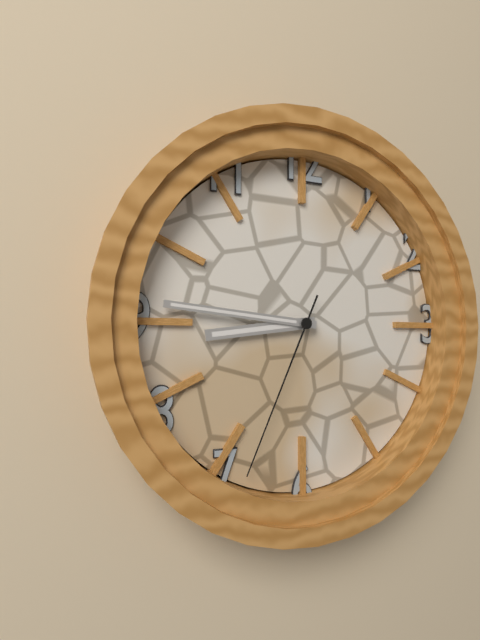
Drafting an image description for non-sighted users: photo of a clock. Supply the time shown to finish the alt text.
8:46:34
